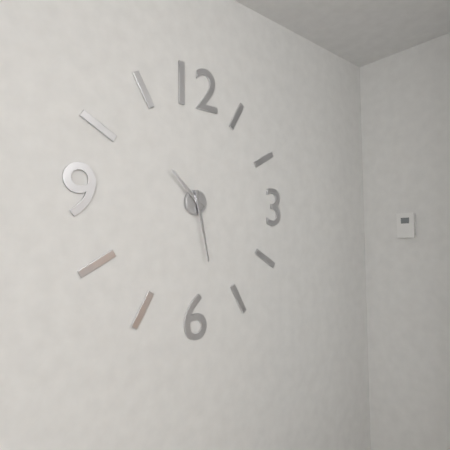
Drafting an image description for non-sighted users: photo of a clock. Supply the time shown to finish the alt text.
10:28
